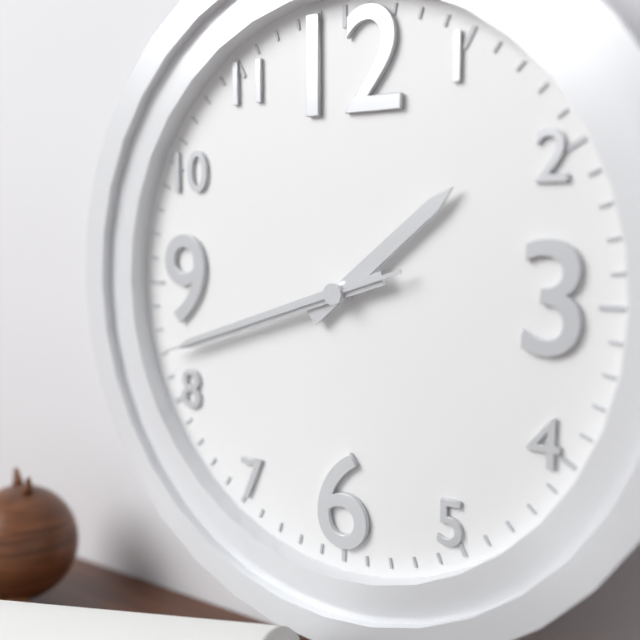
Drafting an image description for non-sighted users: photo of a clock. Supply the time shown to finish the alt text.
1:42:42
